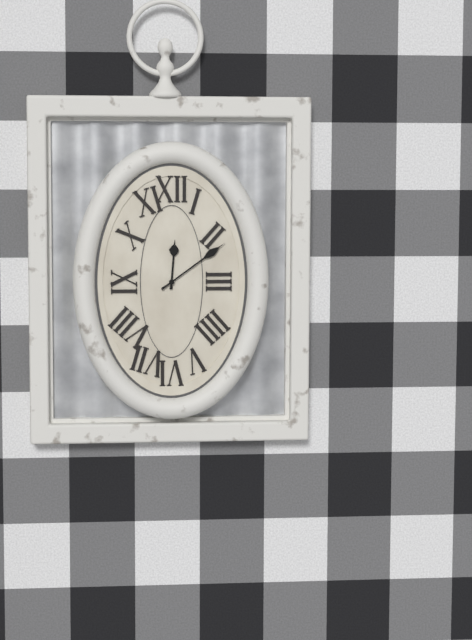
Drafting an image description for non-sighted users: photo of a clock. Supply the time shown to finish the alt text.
12:09
